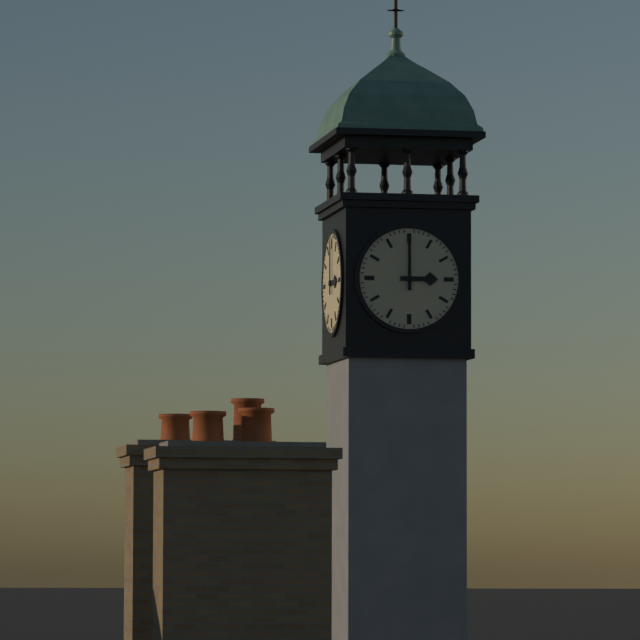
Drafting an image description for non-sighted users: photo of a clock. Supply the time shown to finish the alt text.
3:00
